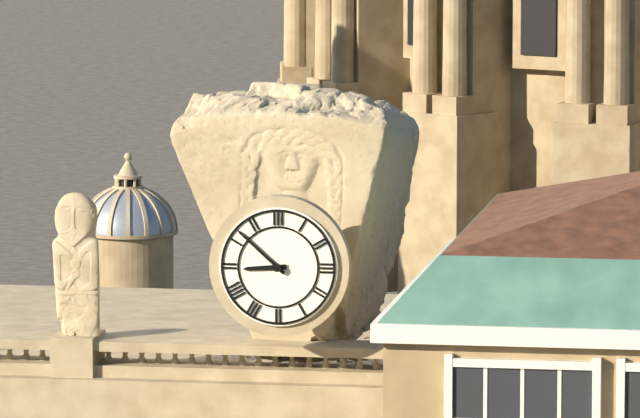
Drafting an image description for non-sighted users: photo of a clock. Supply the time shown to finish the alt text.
8:52
